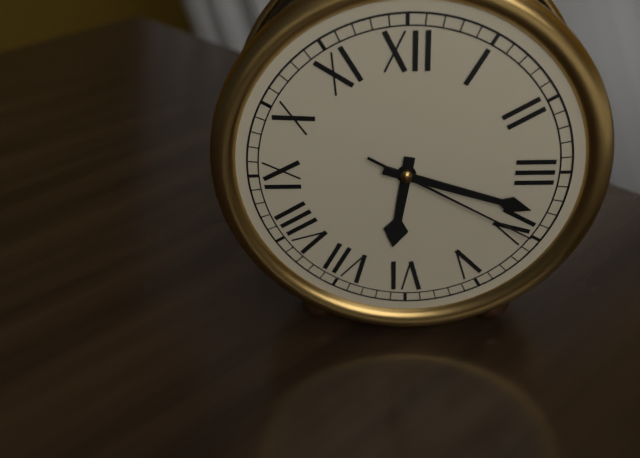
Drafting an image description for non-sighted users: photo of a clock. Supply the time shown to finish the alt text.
6:18:20
